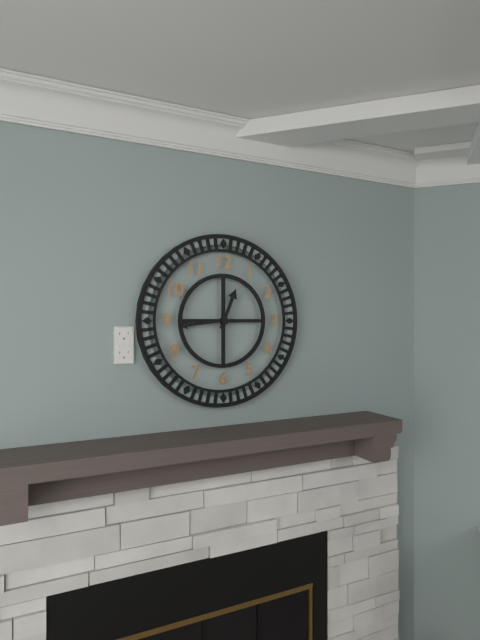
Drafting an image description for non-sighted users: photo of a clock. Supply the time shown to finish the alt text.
12:44
